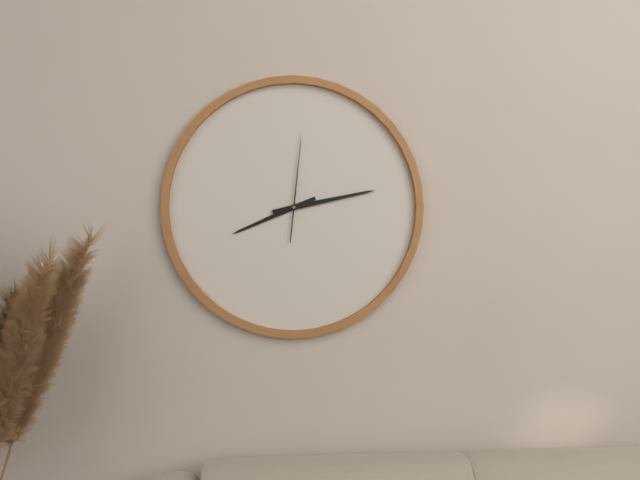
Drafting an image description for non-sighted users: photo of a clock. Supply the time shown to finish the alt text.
8:13:01
